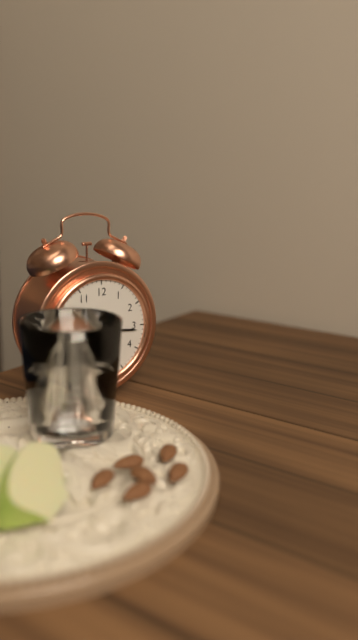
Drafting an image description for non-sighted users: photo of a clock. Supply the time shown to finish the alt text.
5:16:36
